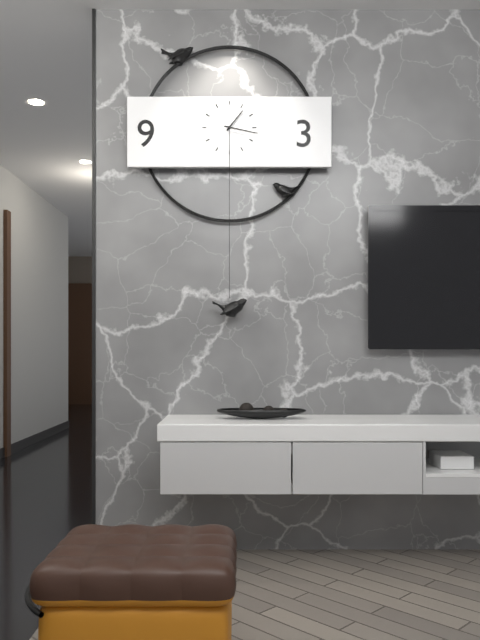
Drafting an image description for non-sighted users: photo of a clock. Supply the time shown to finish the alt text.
1:17
